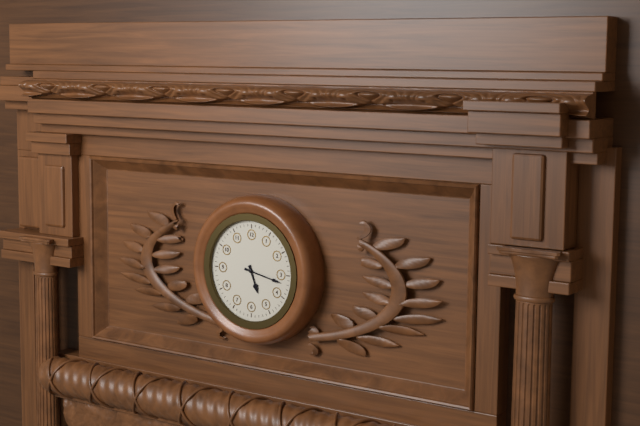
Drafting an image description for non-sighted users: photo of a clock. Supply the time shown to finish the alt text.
5:17
